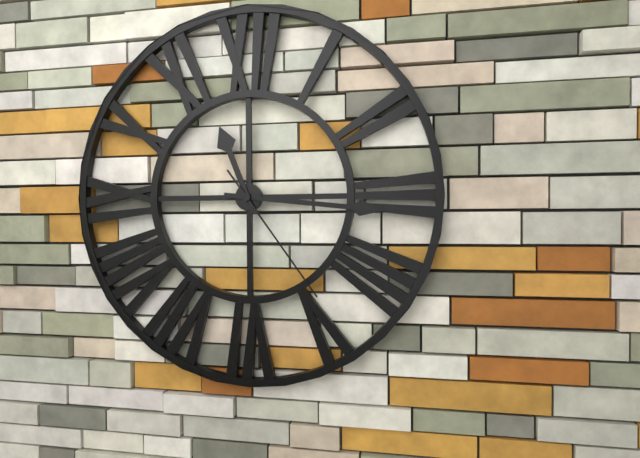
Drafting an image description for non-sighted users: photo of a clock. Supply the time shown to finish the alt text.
11:16:24
